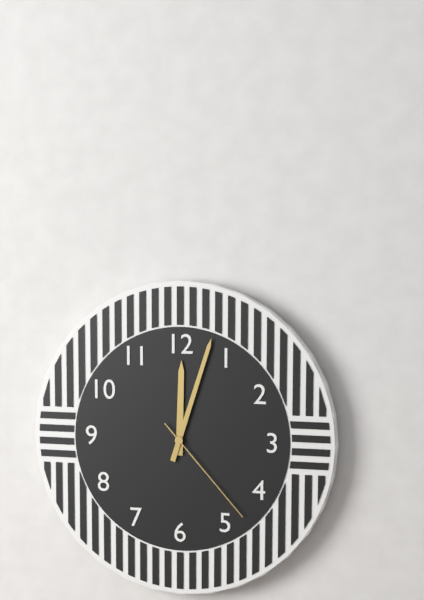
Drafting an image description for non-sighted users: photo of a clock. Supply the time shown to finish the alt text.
12:03:23
